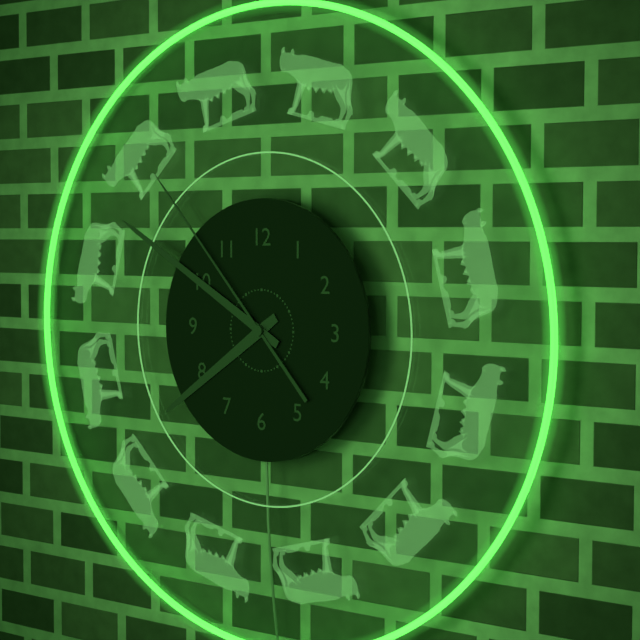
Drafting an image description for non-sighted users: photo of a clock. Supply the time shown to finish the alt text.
7:50:53
